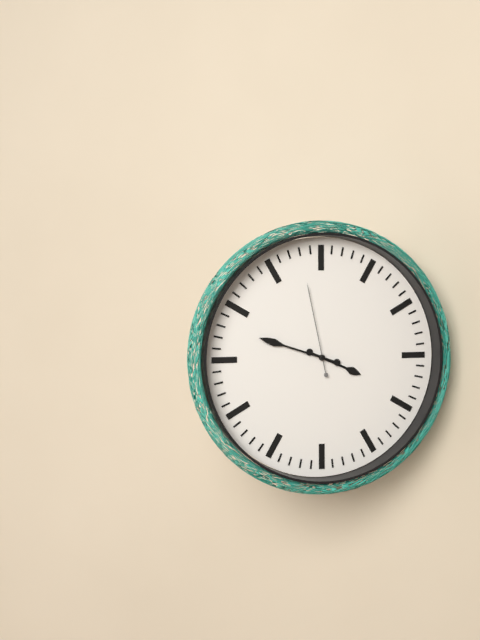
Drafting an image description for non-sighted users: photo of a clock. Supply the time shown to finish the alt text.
3:48:58
